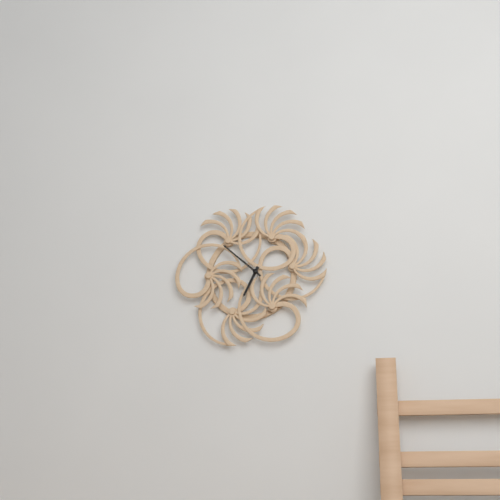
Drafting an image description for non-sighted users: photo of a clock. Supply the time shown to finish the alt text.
6:52
